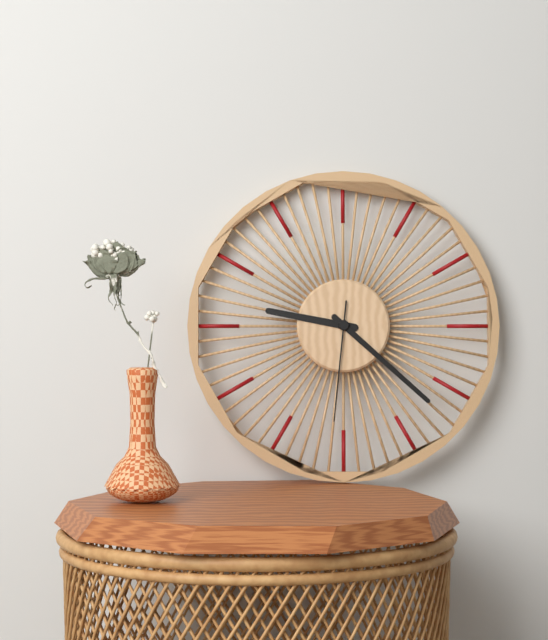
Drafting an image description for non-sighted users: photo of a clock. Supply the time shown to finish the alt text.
9:22:31
